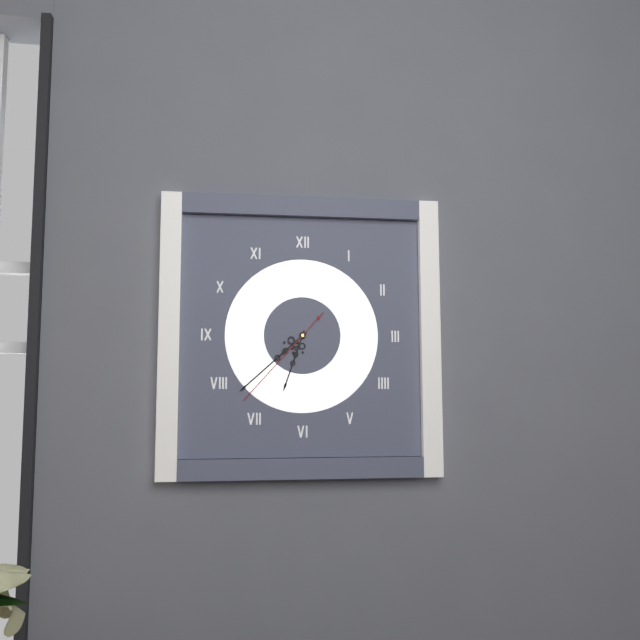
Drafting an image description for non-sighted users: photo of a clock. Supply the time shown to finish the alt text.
6:38:37
